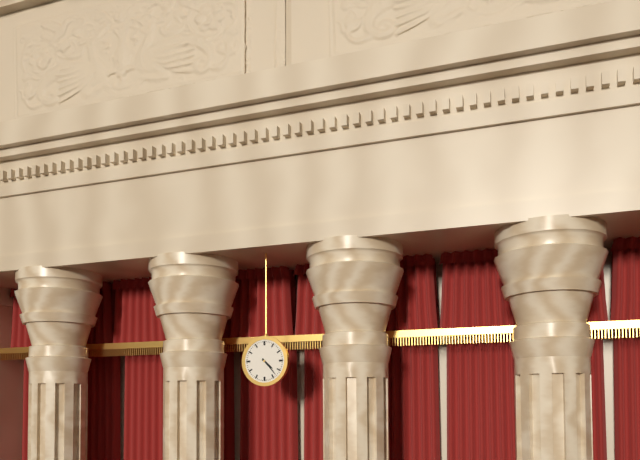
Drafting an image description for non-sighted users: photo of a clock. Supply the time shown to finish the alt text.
4:23
